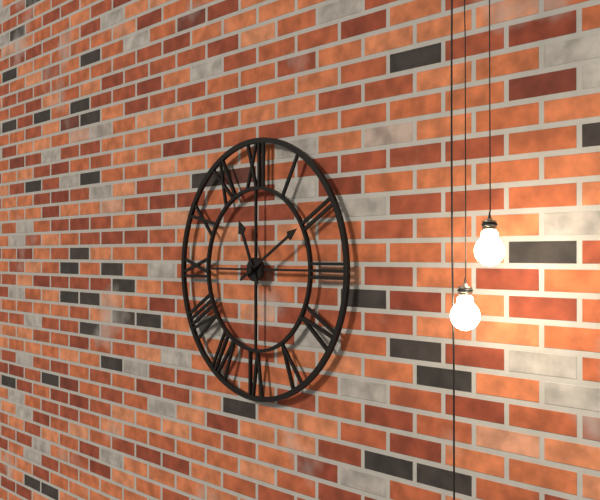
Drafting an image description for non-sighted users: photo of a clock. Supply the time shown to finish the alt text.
11:10
